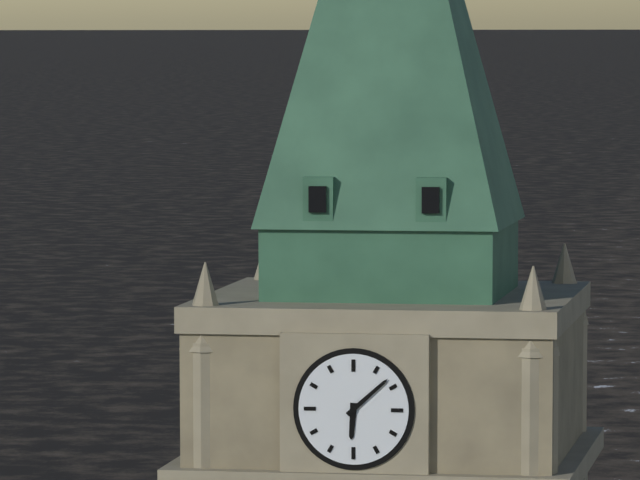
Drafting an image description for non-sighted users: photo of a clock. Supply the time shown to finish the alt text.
6:08
